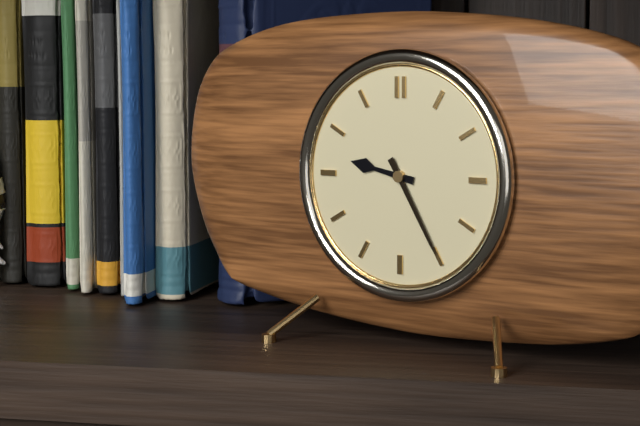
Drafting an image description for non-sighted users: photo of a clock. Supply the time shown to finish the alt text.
9:25
